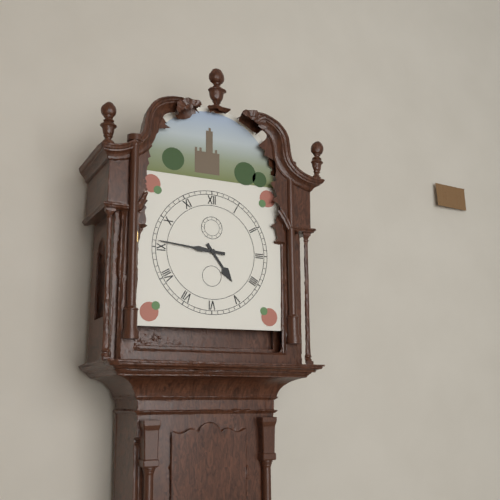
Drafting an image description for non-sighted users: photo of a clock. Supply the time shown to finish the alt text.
4:46
